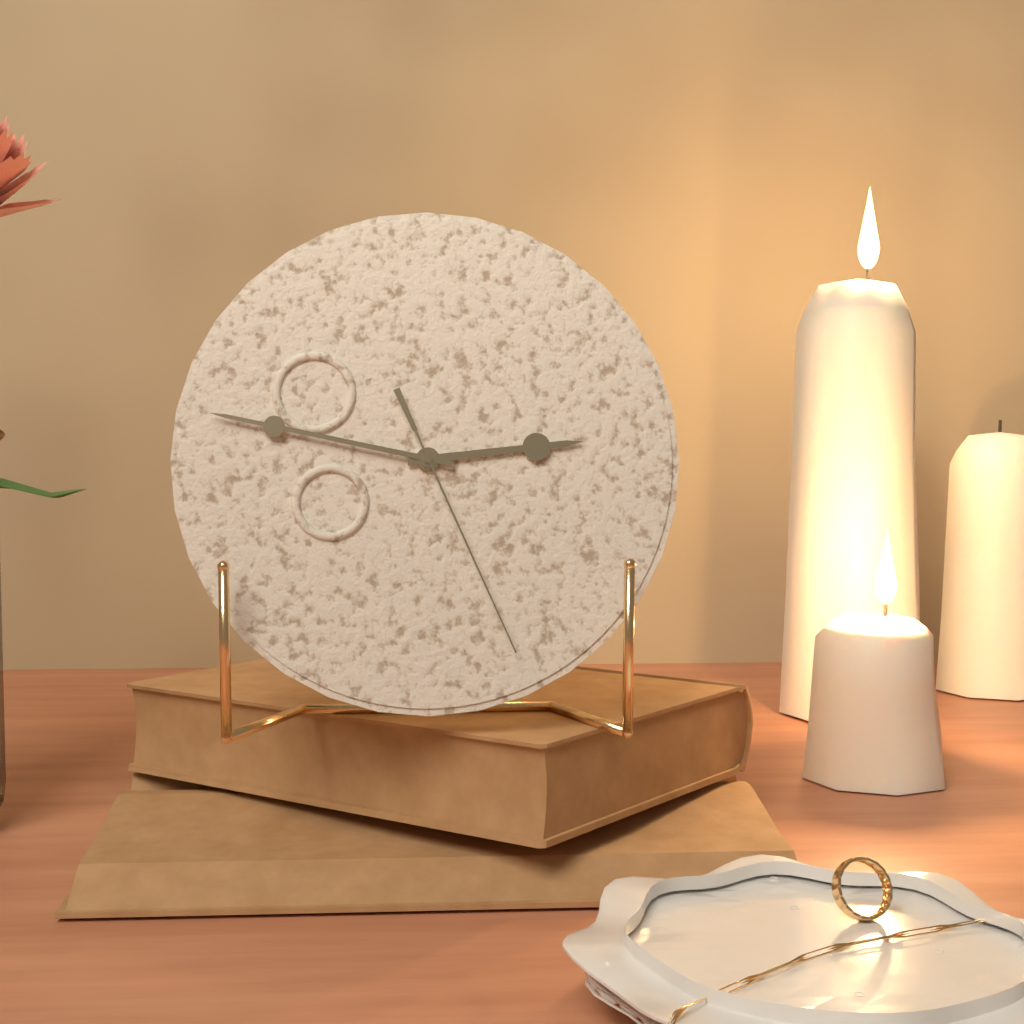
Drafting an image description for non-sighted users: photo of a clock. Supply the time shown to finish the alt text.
2:47:26
